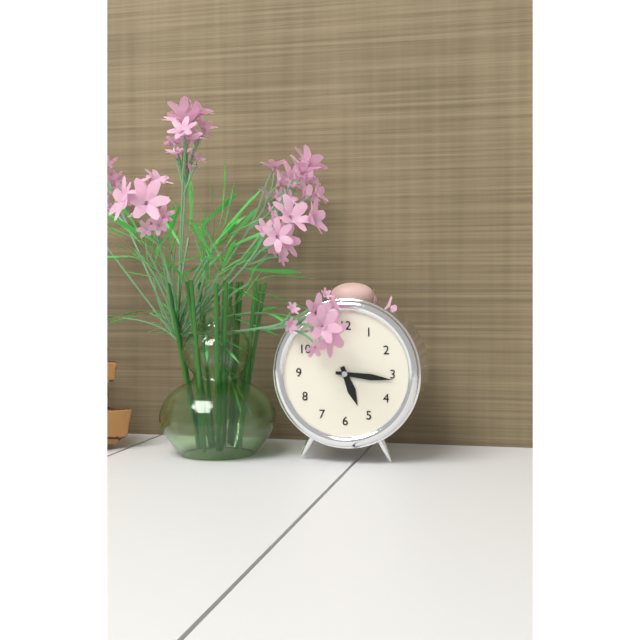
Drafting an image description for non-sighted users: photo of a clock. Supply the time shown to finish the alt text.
5:16
